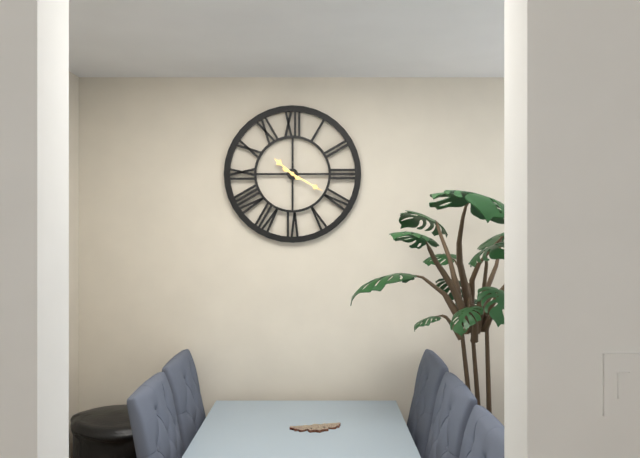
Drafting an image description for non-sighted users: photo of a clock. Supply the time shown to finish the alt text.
10:20
